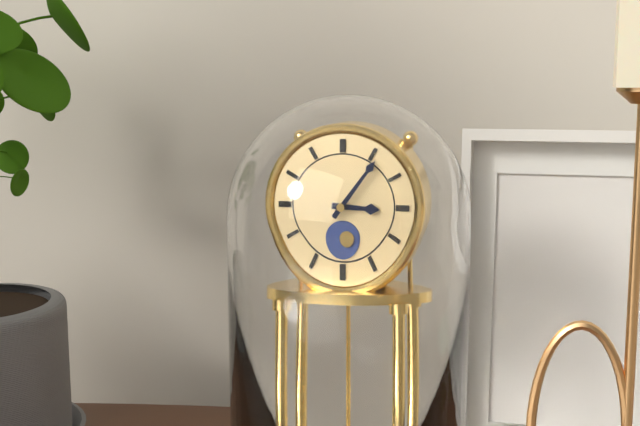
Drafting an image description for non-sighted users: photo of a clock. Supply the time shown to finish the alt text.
3:06
